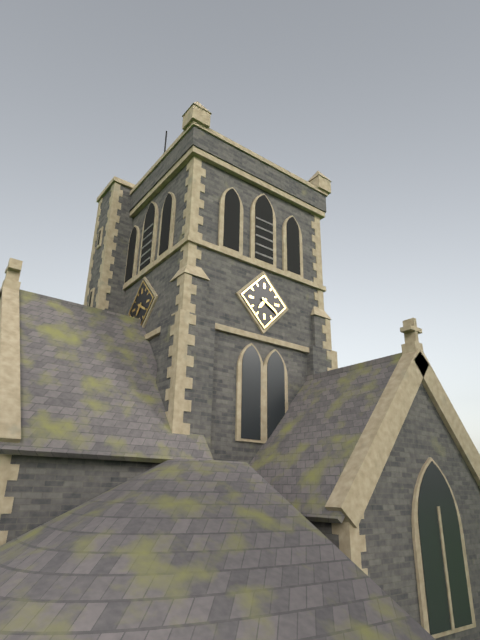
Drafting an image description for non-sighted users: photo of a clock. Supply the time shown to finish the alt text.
7:20
